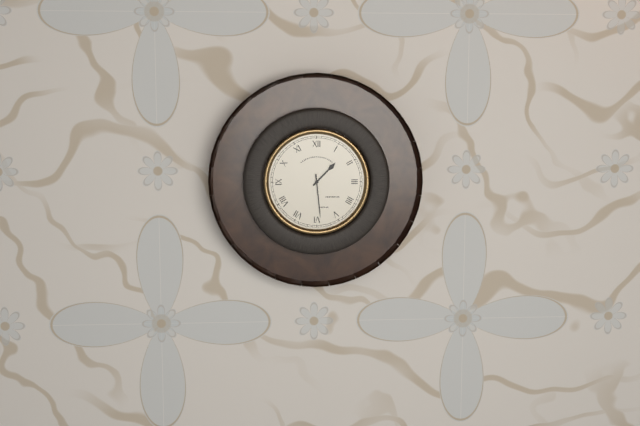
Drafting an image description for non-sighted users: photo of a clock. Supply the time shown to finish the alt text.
1:29
